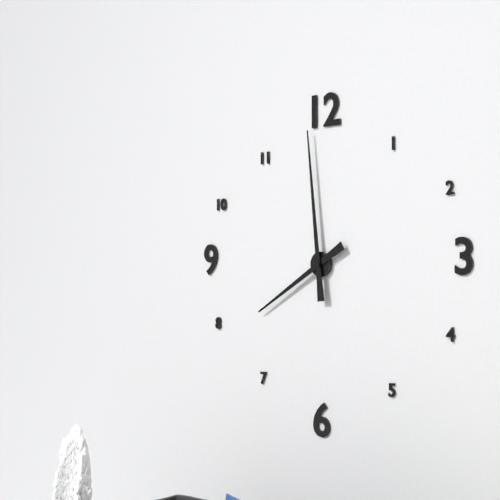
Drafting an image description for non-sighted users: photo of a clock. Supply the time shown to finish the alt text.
7:59
